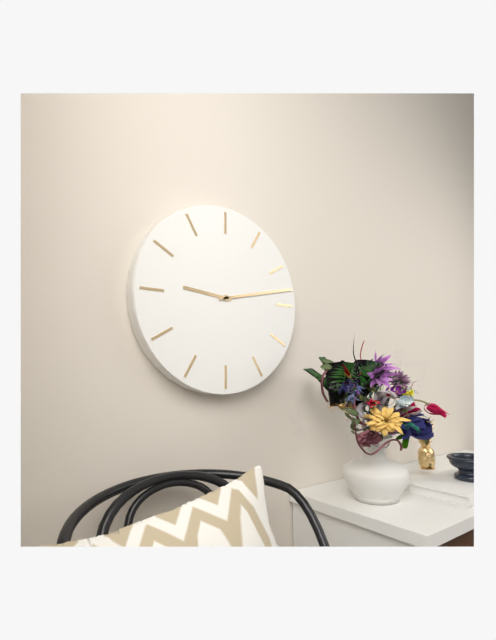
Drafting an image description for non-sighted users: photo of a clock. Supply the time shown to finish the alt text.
9:13
